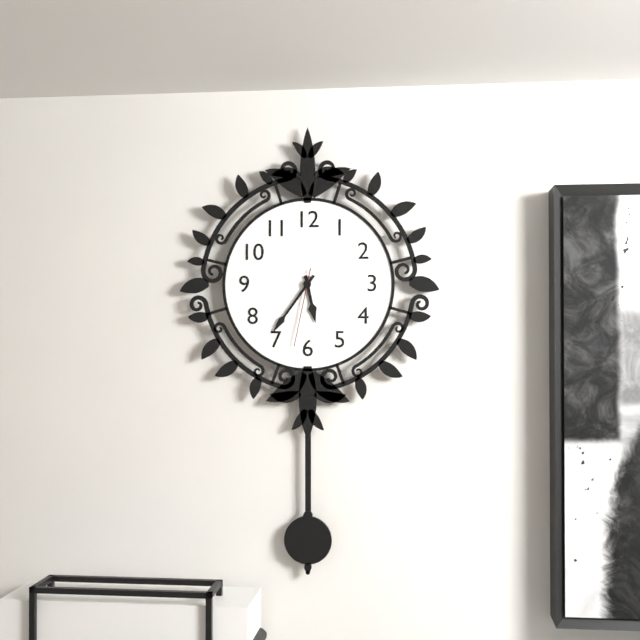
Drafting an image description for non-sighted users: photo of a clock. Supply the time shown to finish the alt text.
5:36:32
